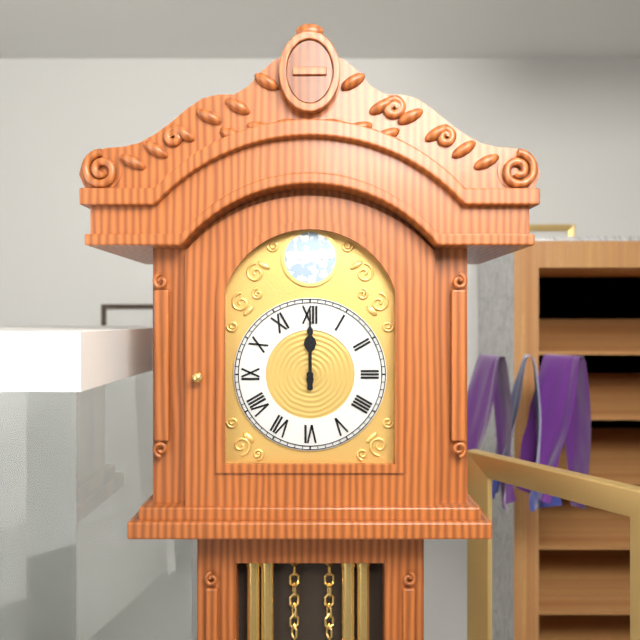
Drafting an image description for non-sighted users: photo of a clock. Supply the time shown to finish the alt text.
12:00
